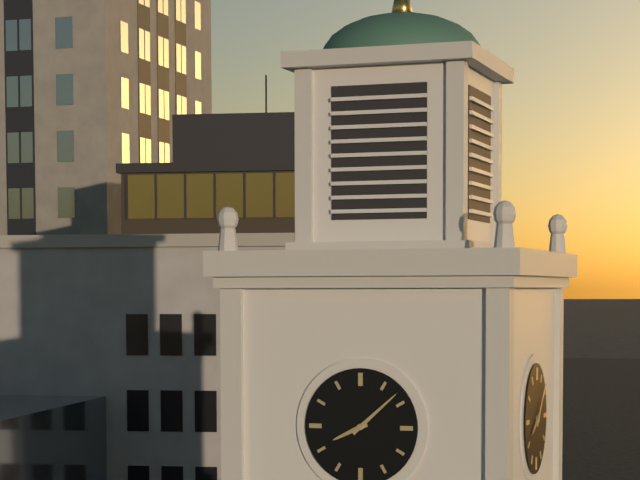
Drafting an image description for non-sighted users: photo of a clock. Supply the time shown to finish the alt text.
8:08
